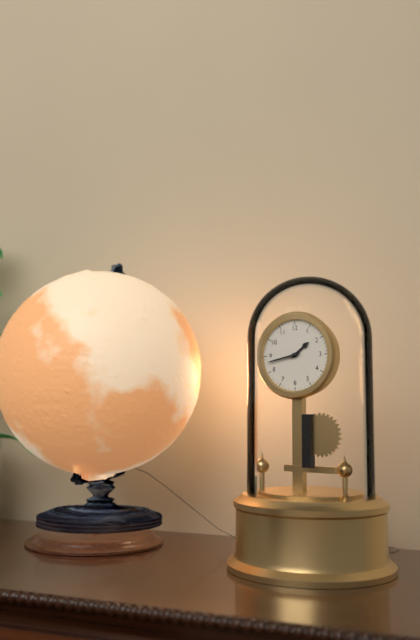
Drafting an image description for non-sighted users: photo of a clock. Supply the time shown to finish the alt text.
1:43
